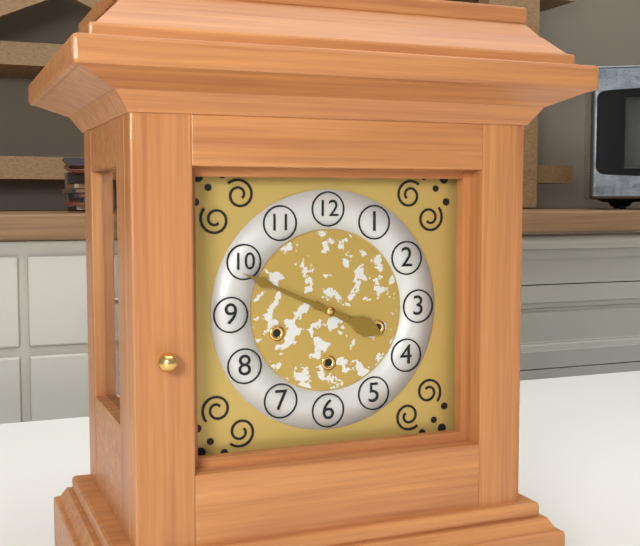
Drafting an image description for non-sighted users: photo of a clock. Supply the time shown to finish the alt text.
3:49
